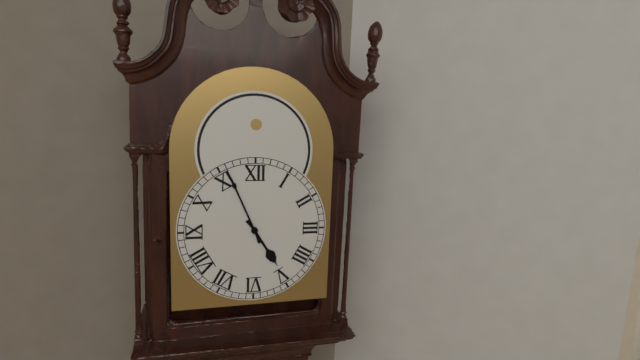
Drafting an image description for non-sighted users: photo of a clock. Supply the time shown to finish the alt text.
4:56
